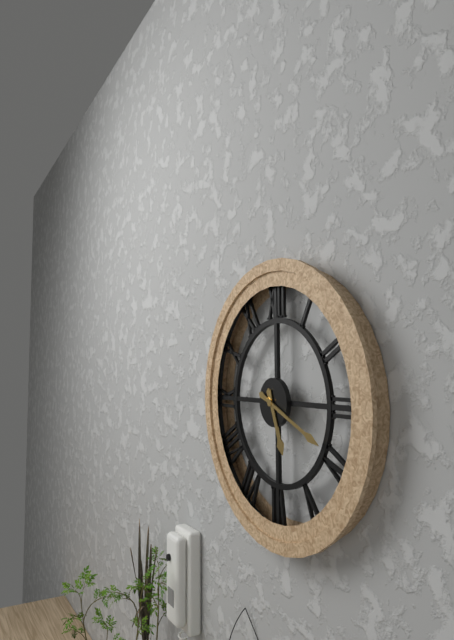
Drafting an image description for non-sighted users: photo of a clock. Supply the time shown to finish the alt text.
5:19
